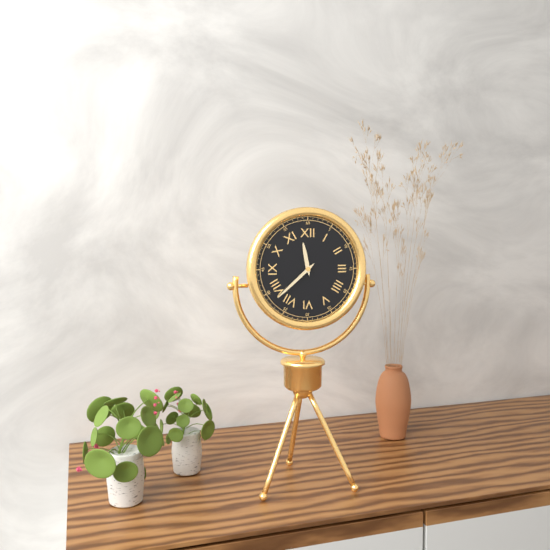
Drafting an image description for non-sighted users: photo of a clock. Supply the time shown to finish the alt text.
11:38
